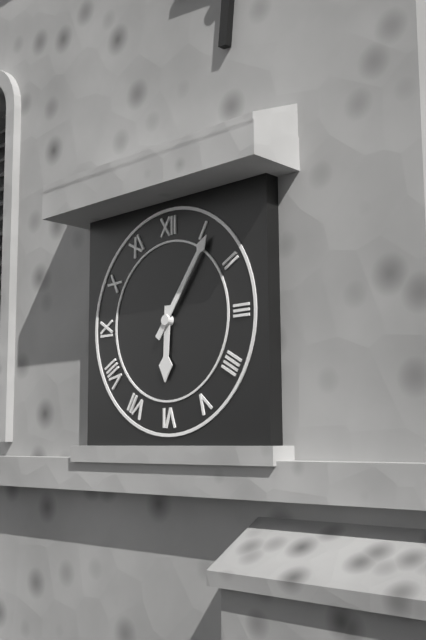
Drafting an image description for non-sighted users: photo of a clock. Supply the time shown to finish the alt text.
6:06
